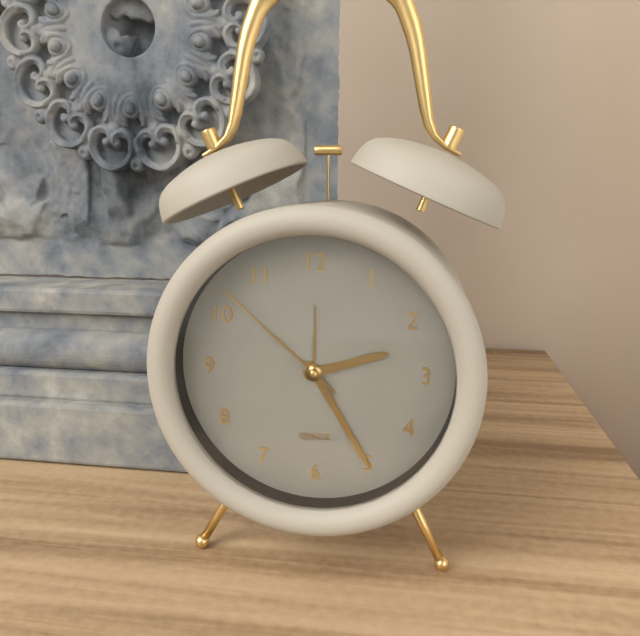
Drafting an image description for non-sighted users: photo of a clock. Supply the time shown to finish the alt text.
2:25:52
